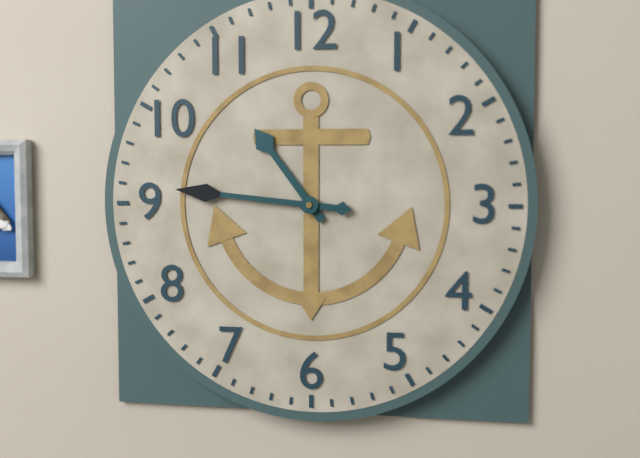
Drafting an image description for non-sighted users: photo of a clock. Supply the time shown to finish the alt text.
10:46
